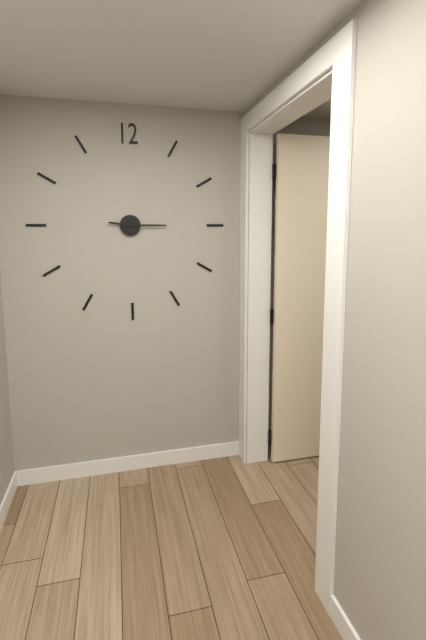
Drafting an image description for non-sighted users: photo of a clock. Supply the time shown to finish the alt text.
9:15
